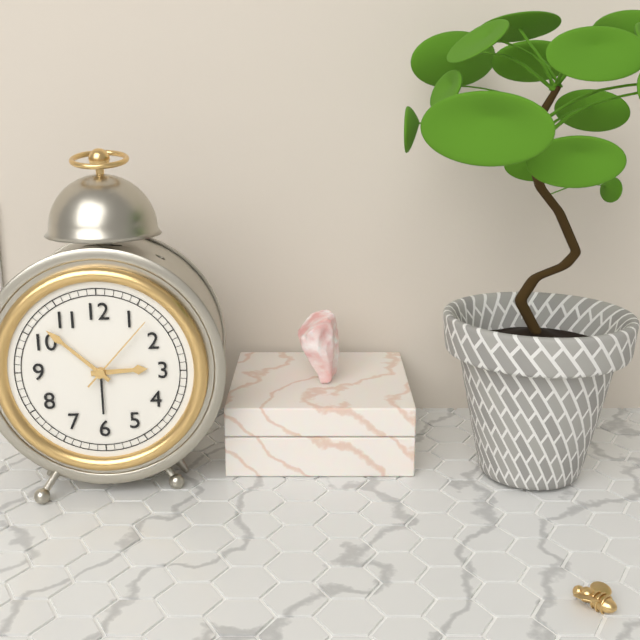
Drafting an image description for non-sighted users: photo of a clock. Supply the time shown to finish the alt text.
2:52:07
